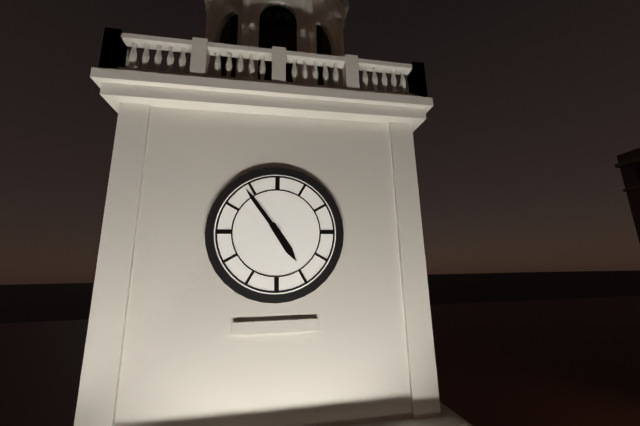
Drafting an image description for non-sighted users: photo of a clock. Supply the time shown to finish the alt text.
4:54
